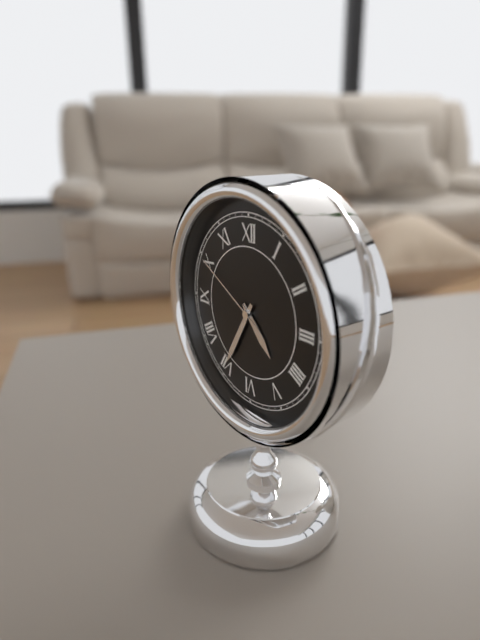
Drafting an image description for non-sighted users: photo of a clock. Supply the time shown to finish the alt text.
4:35:50
